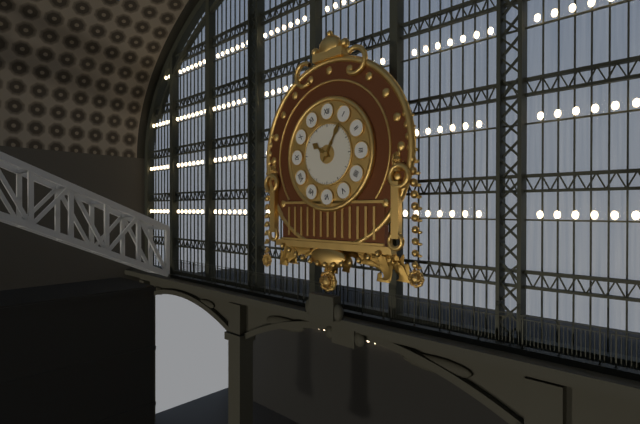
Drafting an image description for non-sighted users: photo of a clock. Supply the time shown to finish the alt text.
10:05
